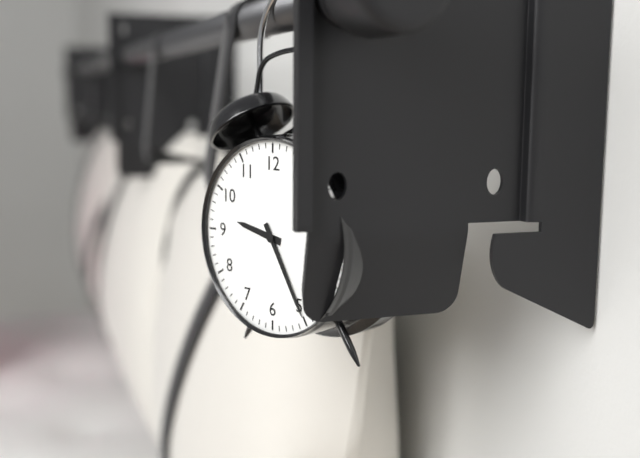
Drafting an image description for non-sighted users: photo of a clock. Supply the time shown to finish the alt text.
9:25
